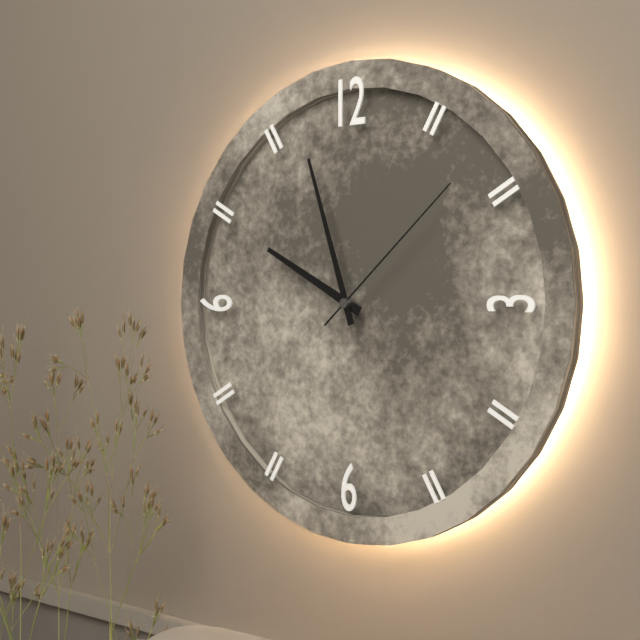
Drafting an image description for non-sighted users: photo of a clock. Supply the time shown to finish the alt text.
9:57:08
